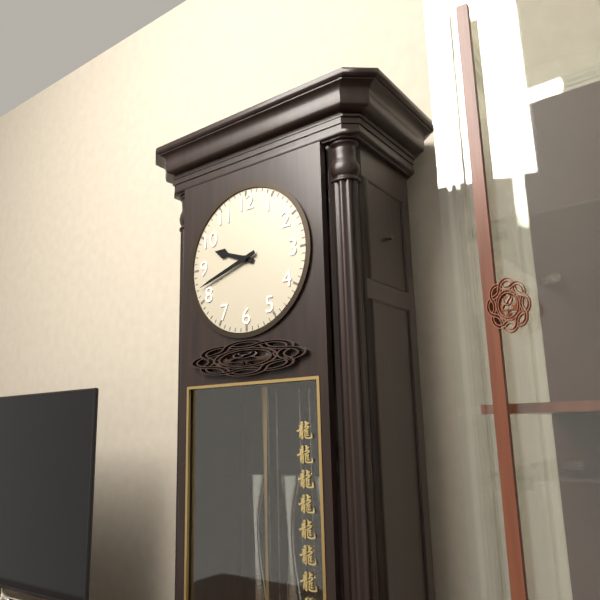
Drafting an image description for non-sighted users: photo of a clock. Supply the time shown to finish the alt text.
9:42
